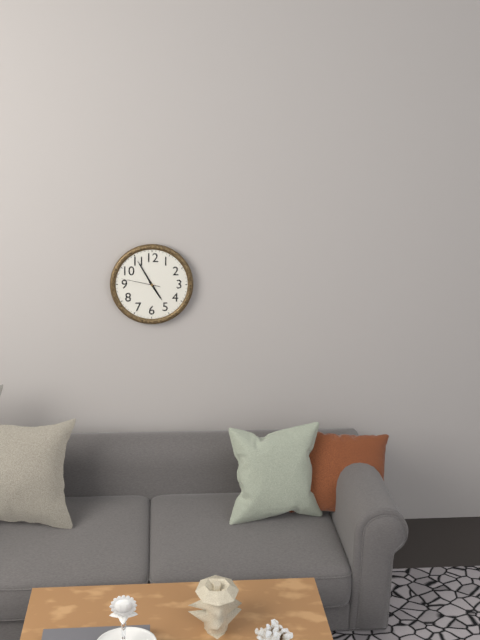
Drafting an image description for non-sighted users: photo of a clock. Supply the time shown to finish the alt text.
4:55
